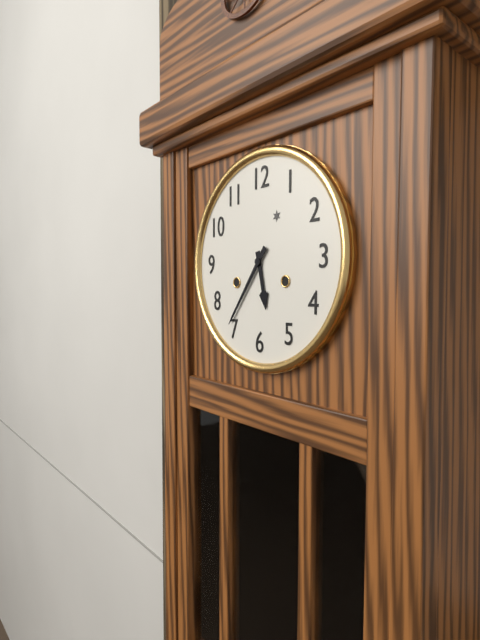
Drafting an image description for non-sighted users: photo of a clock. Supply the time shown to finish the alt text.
5:36
